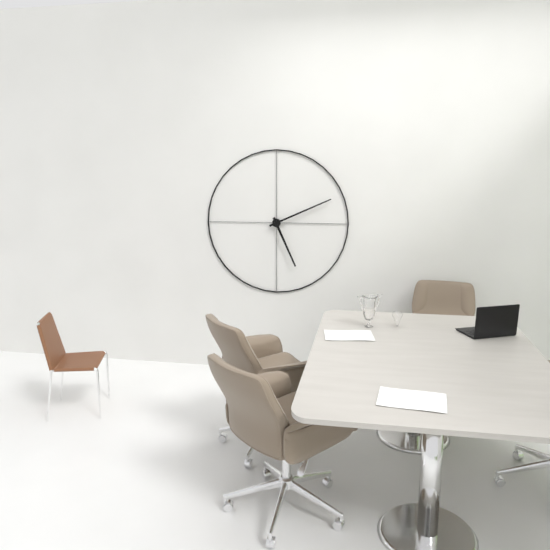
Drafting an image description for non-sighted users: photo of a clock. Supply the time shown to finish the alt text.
5:11
